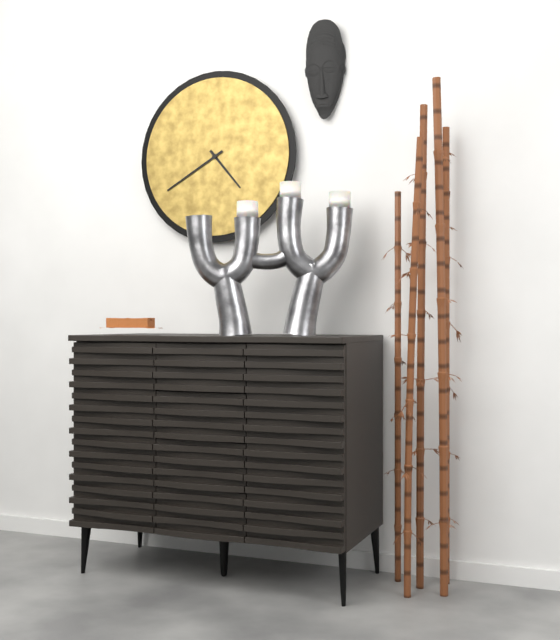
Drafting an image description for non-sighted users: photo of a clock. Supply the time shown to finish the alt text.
4:40
